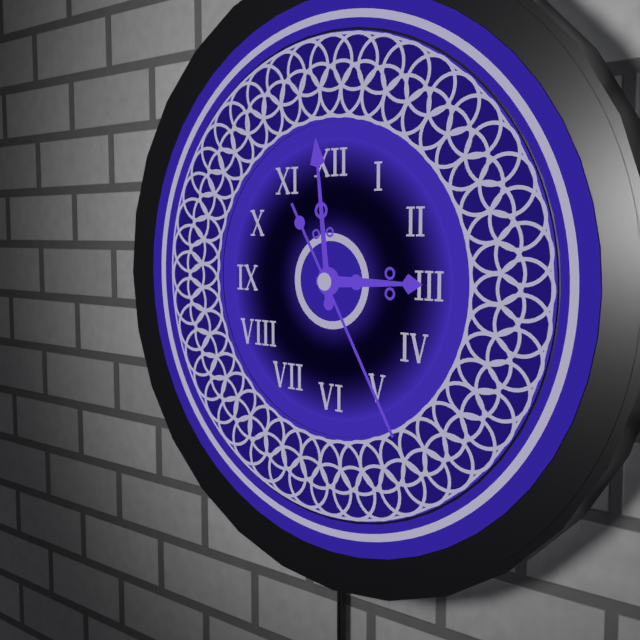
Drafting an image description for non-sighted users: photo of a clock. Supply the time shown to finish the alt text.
2:59:25
